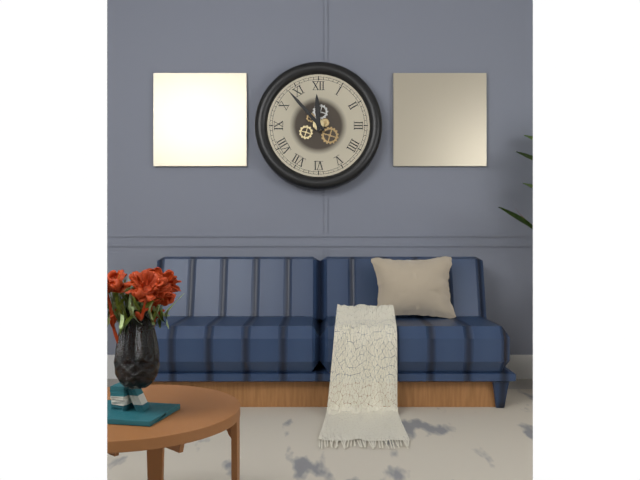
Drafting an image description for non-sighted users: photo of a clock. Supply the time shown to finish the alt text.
11:53
